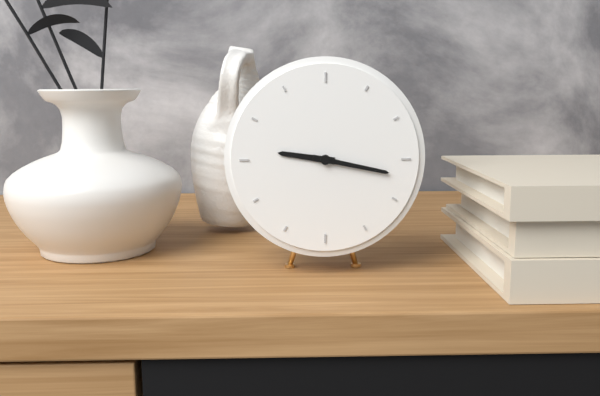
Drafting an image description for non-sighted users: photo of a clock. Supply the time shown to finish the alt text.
9:17
